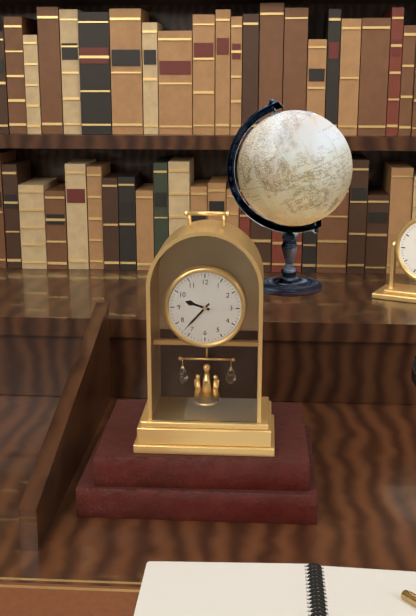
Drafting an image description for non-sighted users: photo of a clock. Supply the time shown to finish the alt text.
9:37
